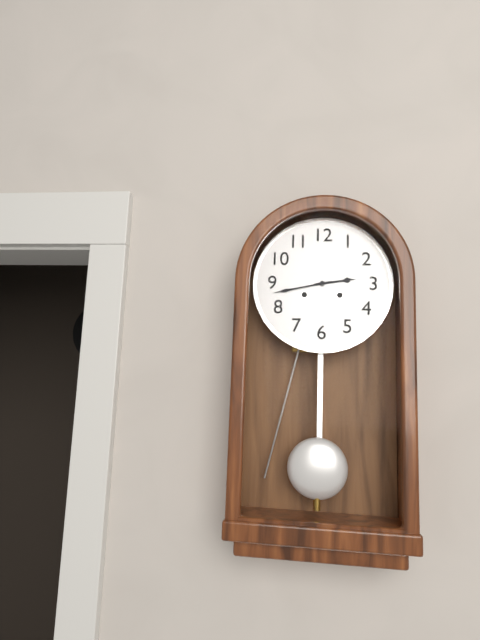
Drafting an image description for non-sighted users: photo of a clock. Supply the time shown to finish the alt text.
2:43
